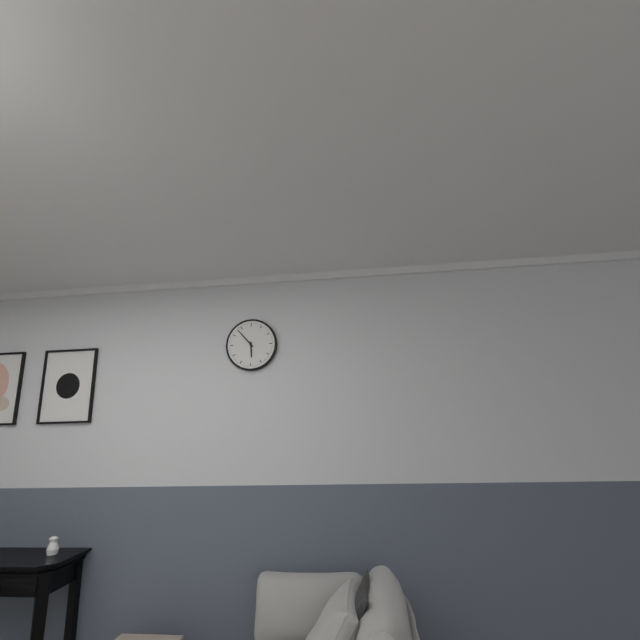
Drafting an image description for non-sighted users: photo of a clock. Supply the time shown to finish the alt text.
5:53
